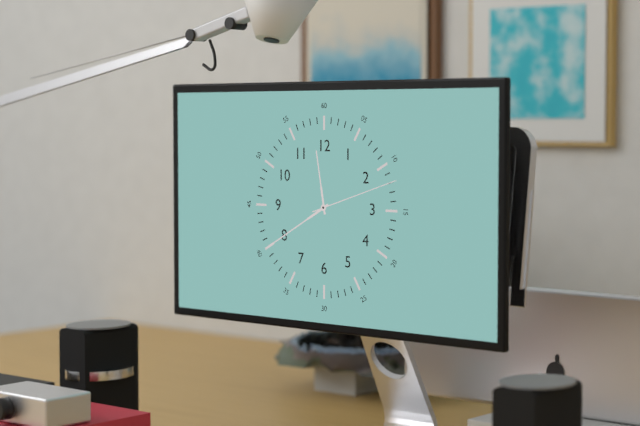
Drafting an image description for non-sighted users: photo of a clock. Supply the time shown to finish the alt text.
11:40:12
